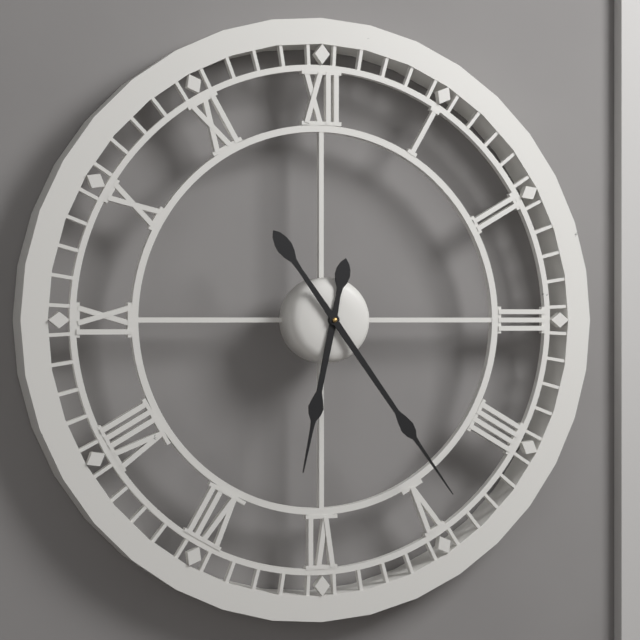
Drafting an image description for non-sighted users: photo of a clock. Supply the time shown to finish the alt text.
6:24
